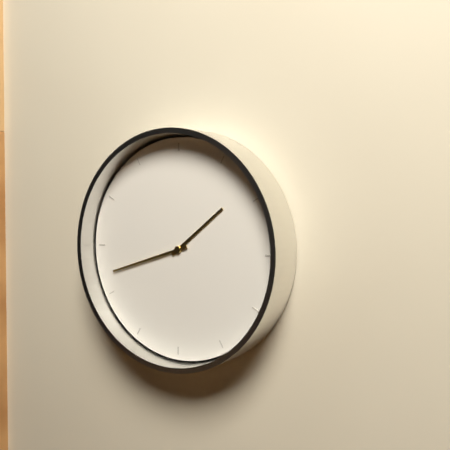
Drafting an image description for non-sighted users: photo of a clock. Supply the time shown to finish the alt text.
1:42
